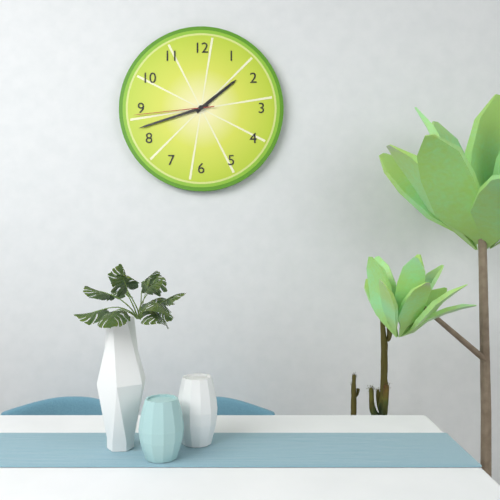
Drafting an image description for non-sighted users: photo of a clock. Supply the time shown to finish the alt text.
1:42:44
